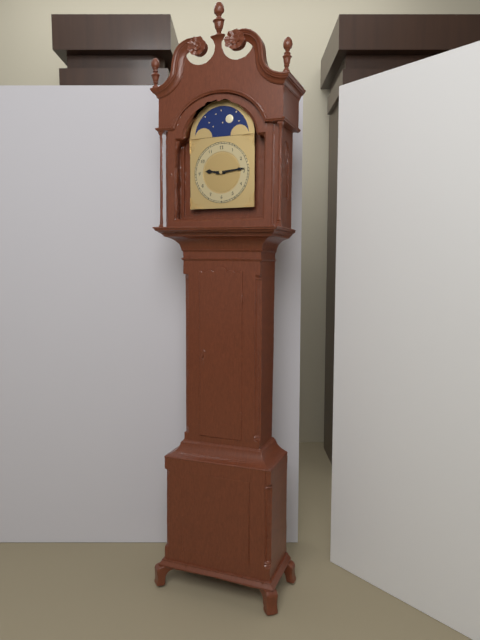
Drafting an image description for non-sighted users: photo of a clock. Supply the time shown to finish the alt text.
9:14
